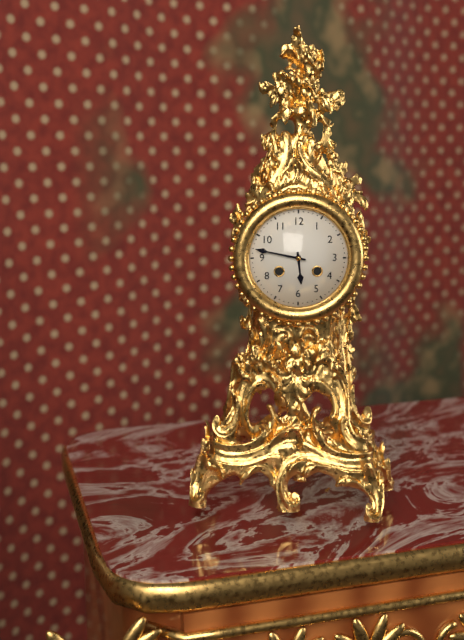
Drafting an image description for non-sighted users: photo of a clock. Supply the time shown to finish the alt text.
5:47
